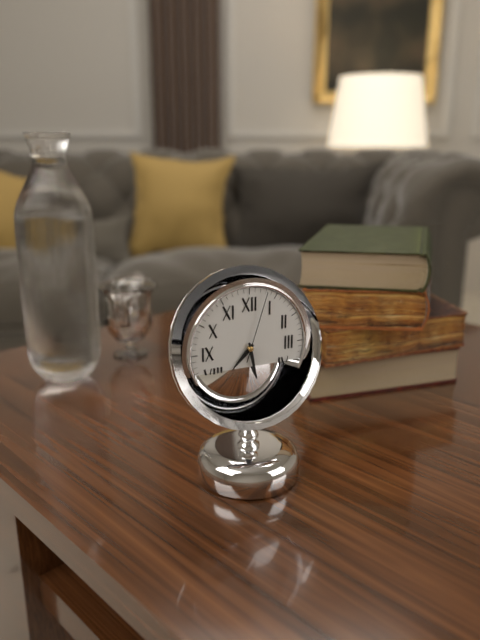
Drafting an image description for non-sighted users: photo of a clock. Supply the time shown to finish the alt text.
7:28:03
